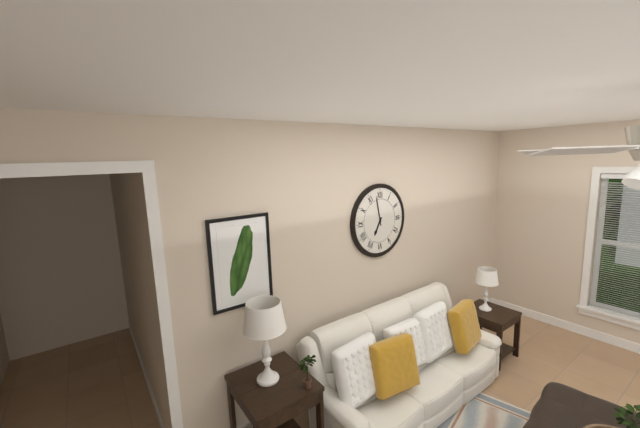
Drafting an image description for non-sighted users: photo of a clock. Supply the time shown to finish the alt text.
6:58
